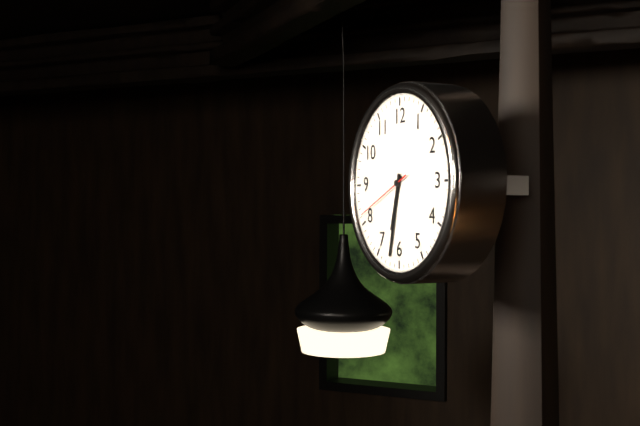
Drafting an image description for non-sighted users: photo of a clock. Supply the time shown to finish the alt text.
6:32:41
